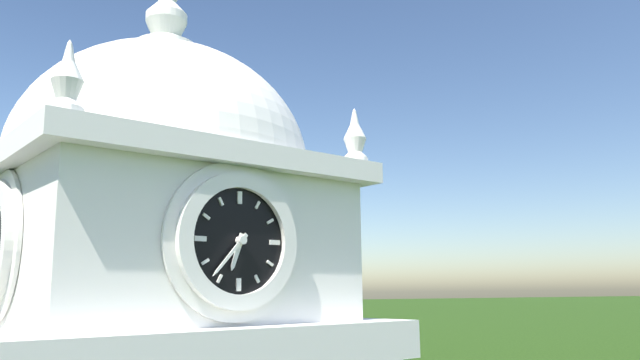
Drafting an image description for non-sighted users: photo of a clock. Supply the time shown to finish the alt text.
6:37
